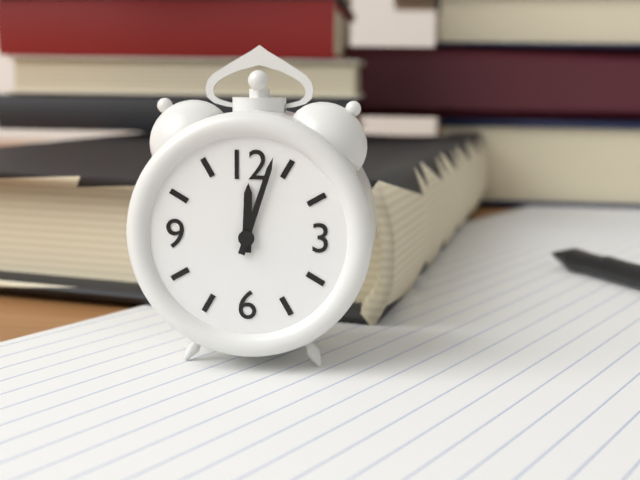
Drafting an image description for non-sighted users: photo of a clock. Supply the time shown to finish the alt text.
12:03
